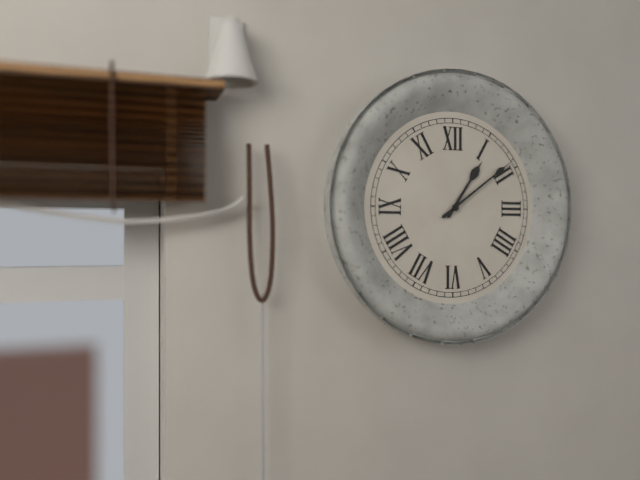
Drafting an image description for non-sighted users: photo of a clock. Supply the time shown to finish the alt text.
1:09
